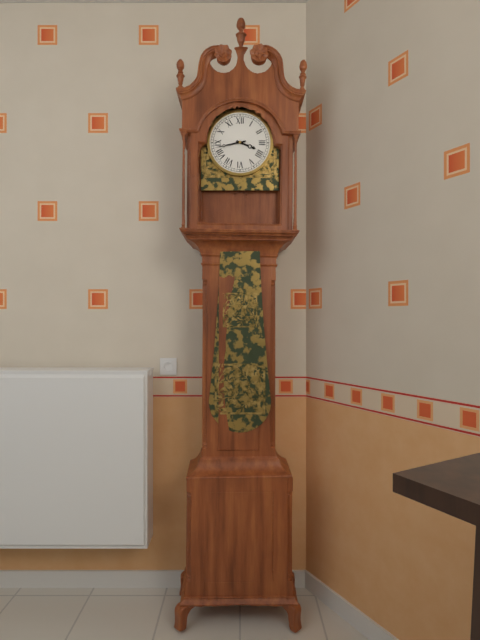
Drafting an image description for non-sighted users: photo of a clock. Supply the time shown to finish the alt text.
3:43
